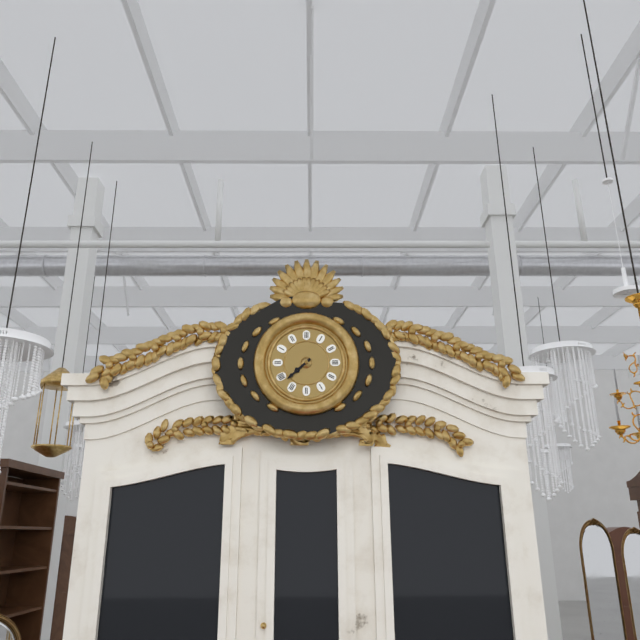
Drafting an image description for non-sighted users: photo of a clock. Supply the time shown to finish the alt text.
7:38
